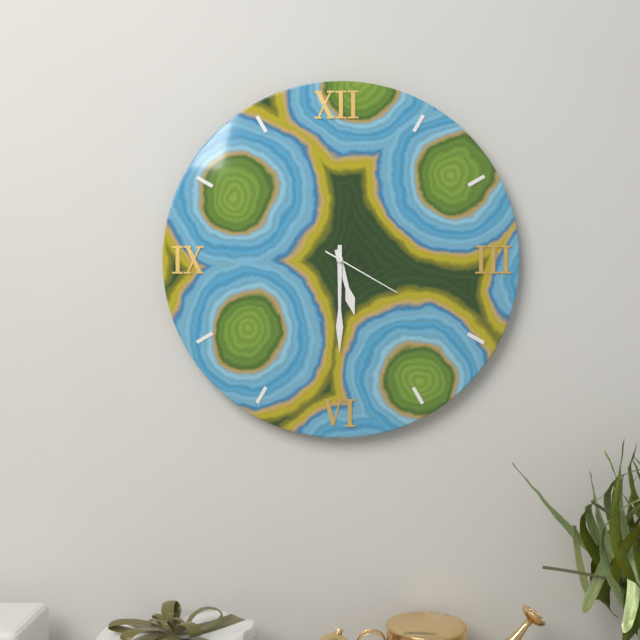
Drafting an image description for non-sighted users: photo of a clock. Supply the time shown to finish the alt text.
5:30:20
